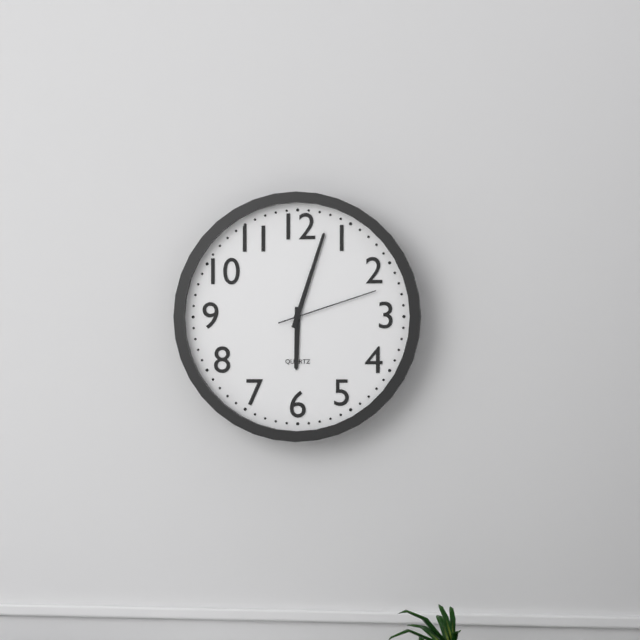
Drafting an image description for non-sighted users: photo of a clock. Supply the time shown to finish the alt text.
6:03:12
